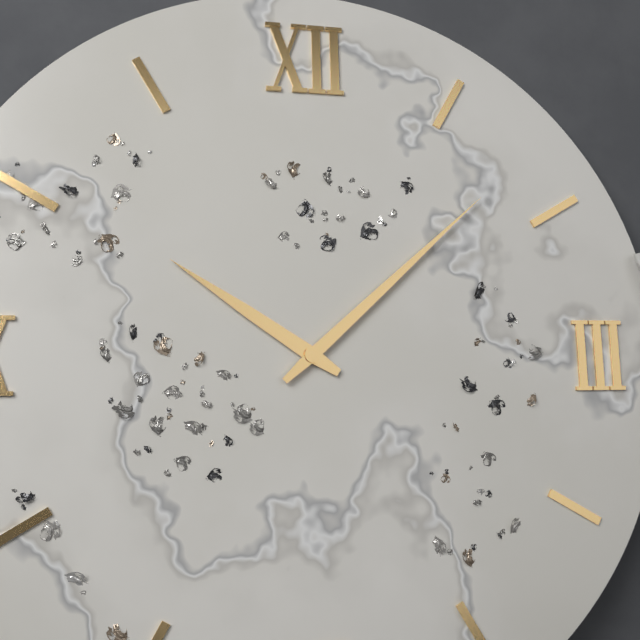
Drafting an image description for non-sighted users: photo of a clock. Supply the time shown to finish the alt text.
10:08
